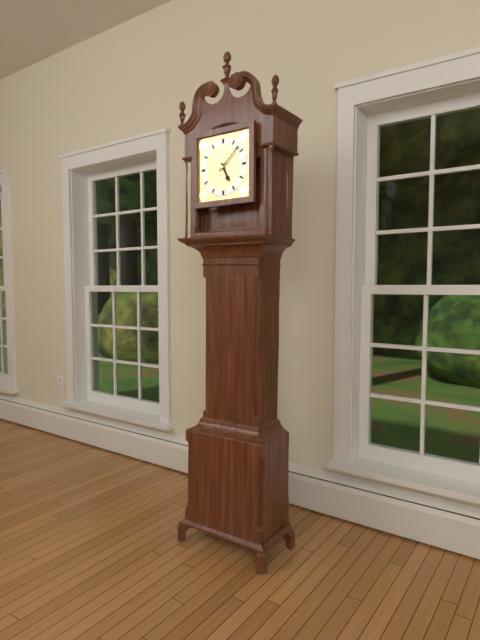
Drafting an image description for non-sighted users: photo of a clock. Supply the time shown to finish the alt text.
5:08
